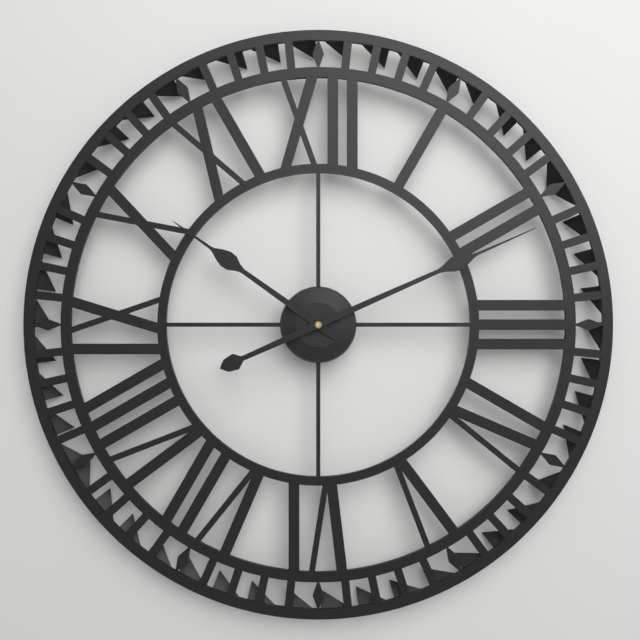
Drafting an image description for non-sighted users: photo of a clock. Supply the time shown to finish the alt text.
10:11
